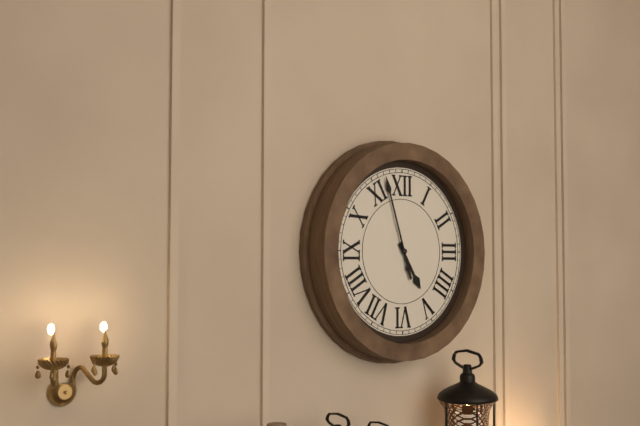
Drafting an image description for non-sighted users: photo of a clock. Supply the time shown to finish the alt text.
4:57
